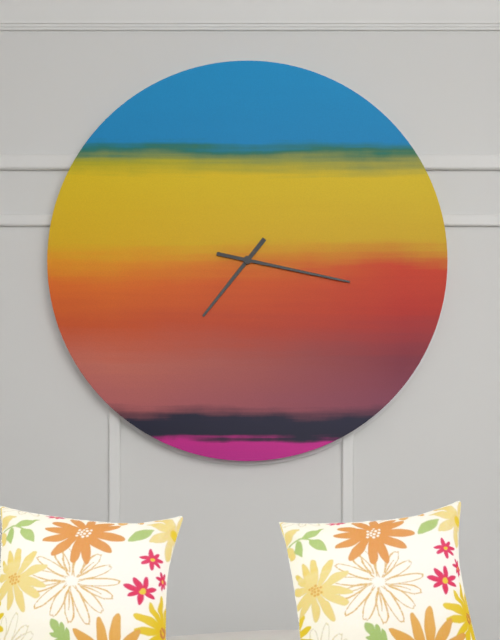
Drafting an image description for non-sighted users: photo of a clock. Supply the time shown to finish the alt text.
7:17
